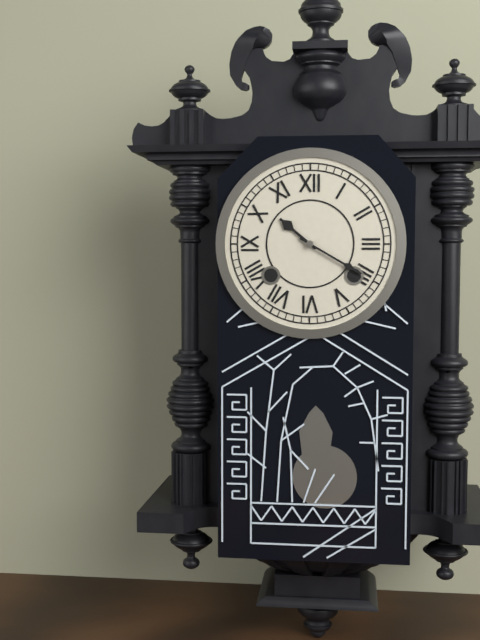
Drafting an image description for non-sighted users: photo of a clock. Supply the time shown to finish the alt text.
10:20
